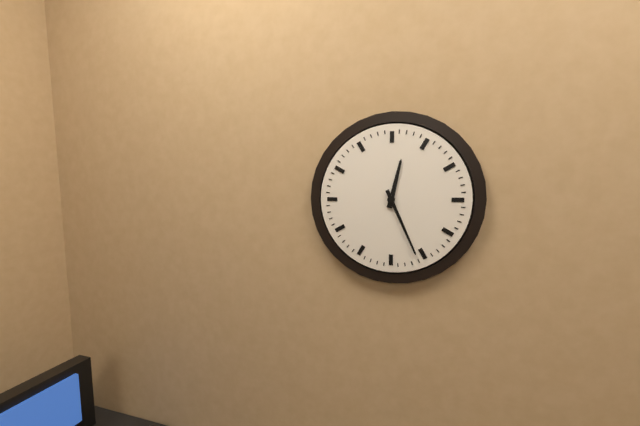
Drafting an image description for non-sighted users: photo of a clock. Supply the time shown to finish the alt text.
12:26
